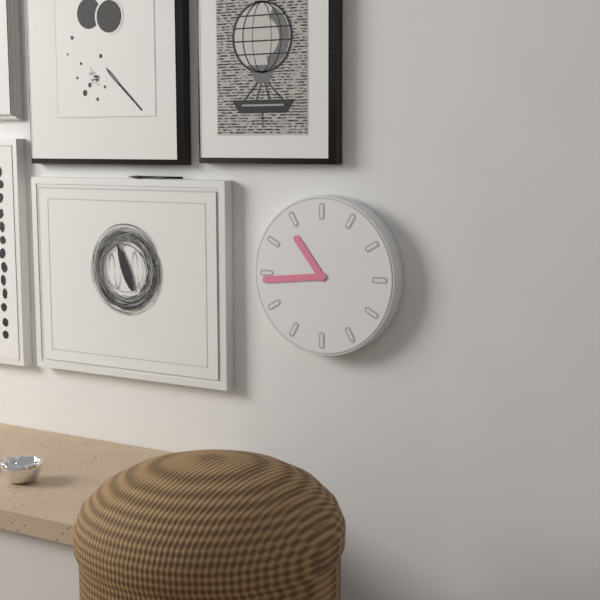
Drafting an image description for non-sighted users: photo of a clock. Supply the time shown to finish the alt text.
10:44
